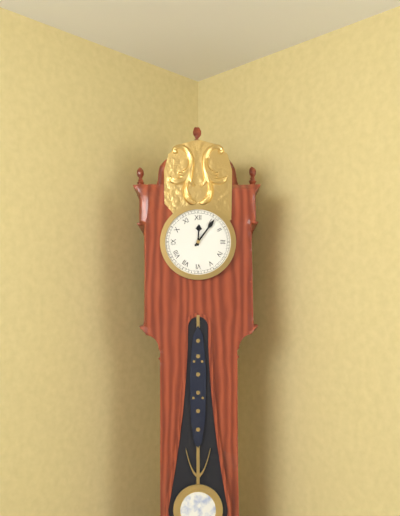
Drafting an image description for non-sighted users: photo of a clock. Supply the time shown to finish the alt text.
12:06
